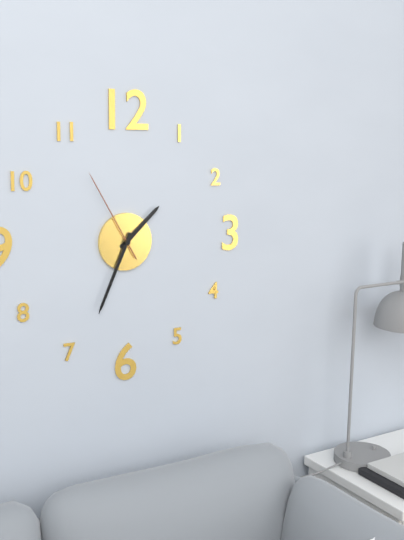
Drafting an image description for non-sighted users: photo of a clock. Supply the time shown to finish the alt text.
1:34:55
